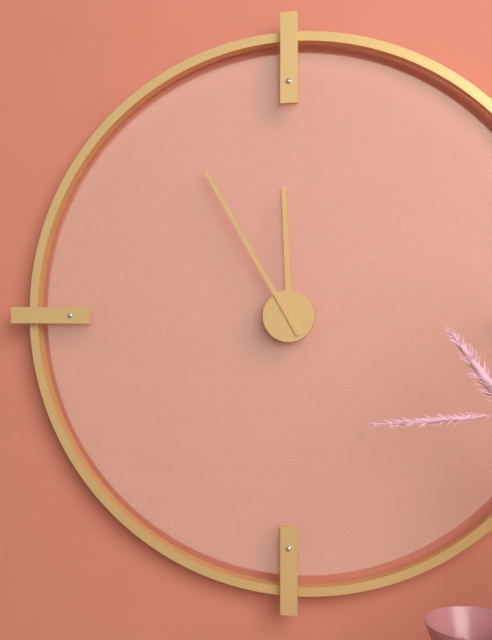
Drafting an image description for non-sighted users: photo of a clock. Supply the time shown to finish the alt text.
11:55
